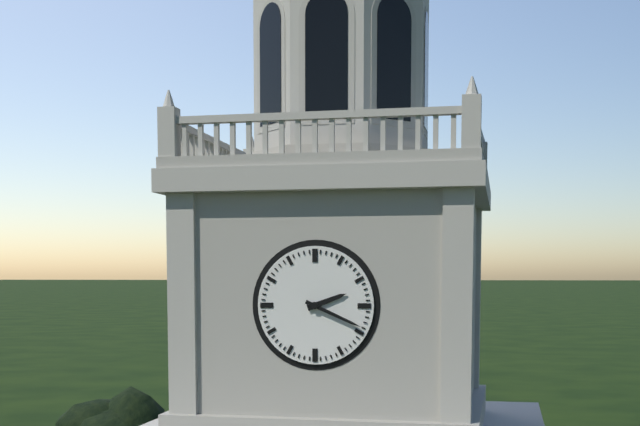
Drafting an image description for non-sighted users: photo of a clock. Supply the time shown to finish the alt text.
2:19
